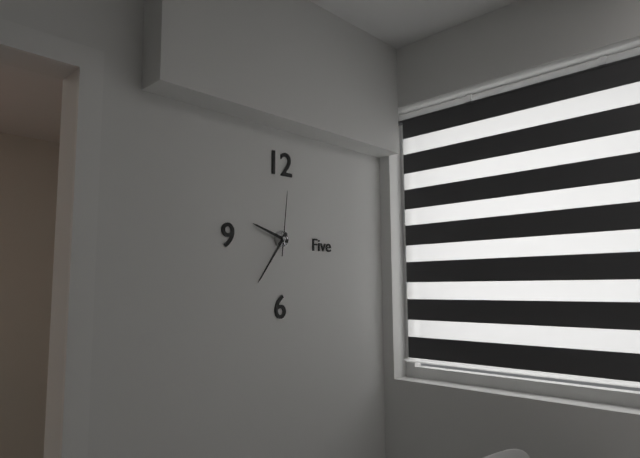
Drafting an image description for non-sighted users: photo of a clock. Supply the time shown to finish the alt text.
9:36:01
